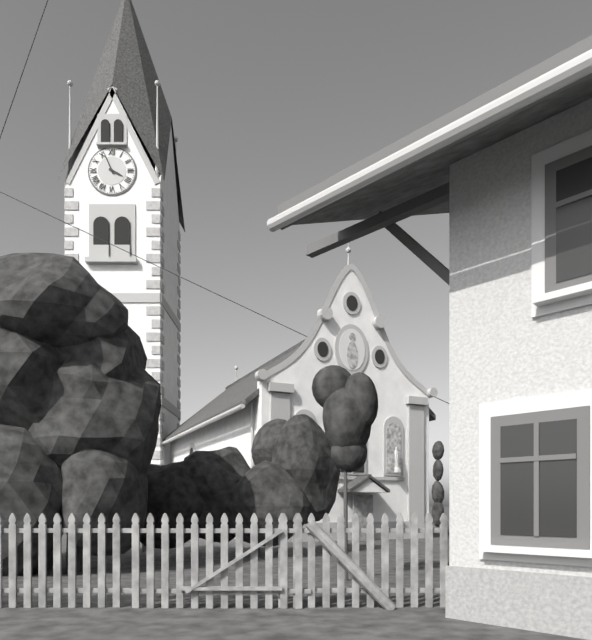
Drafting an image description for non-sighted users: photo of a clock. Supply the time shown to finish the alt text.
3:56
